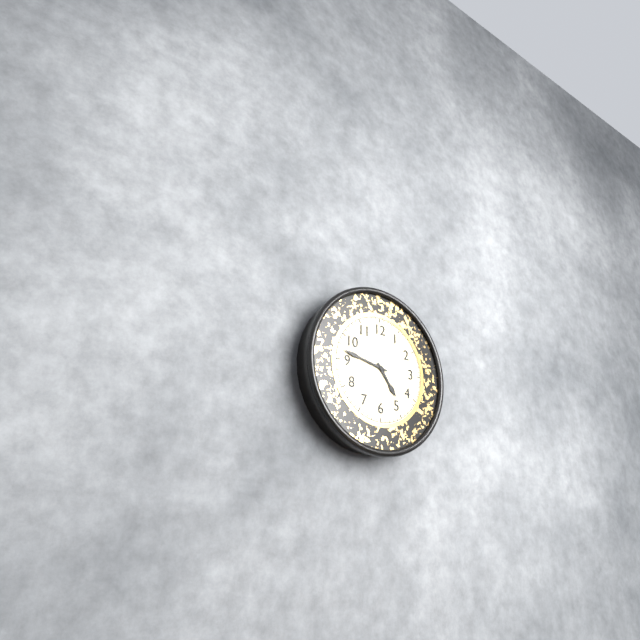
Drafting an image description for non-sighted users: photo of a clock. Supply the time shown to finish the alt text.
4:47
